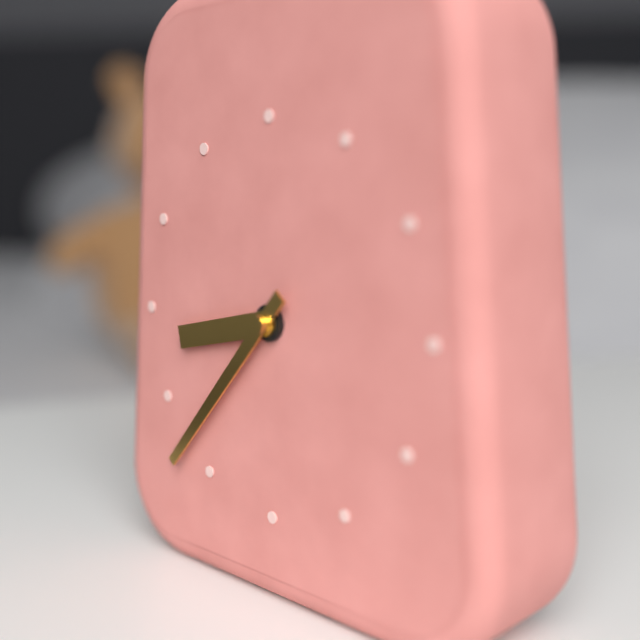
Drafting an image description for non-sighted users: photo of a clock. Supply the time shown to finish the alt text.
8:37
